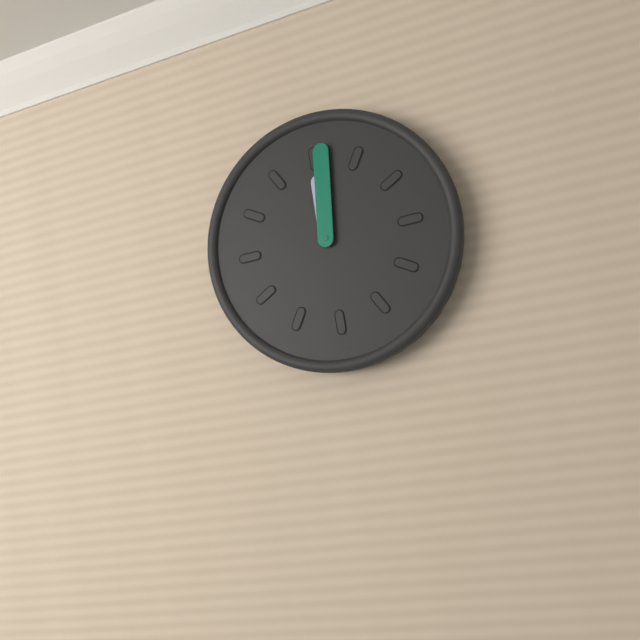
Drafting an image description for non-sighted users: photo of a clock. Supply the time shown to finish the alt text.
12:01
